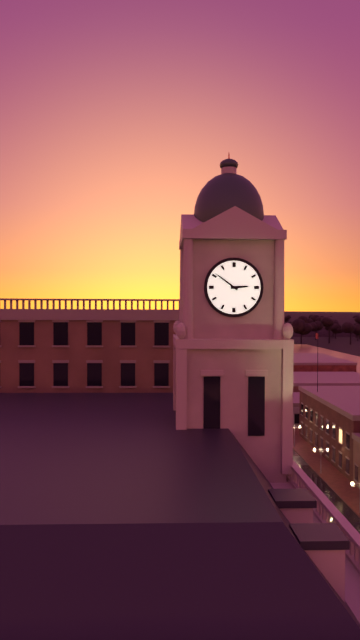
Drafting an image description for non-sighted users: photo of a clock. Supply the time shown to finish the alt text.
2:51
